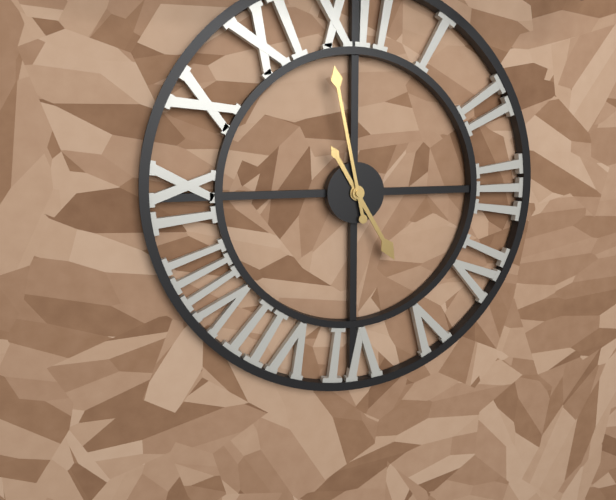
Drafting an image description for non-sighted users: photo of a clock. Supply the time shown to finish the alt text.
4:58
